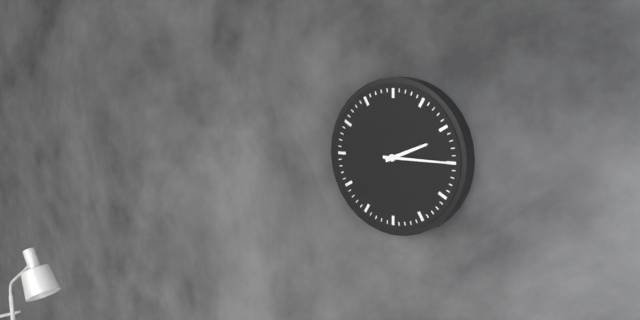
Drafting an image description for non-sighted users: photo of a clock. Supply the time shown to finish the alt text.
2:15
